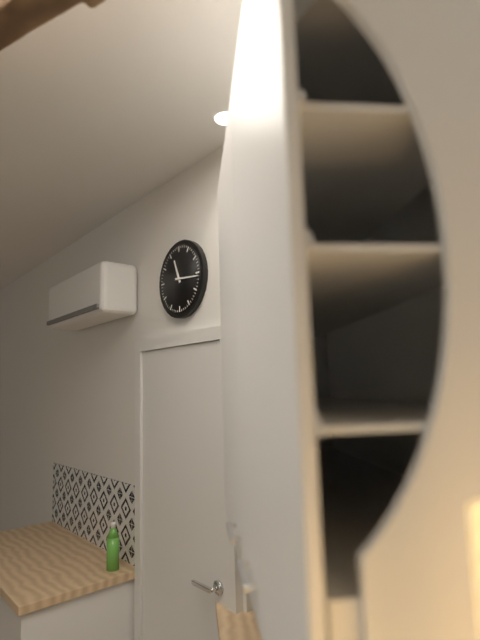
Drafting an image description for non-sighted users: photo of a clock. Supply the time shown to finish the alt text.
11:16
